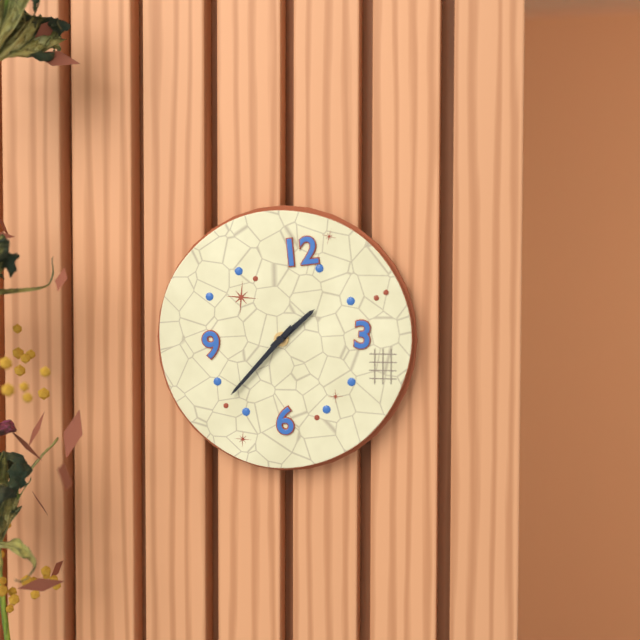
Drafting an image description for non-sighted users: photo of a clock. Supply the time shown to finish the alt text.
1:37
